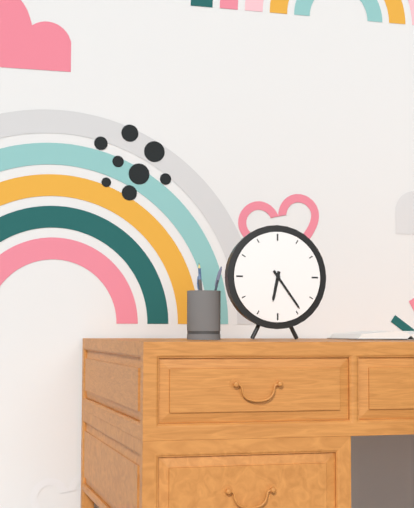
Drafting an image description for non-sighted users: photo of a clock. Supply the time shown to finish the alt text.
6:24
